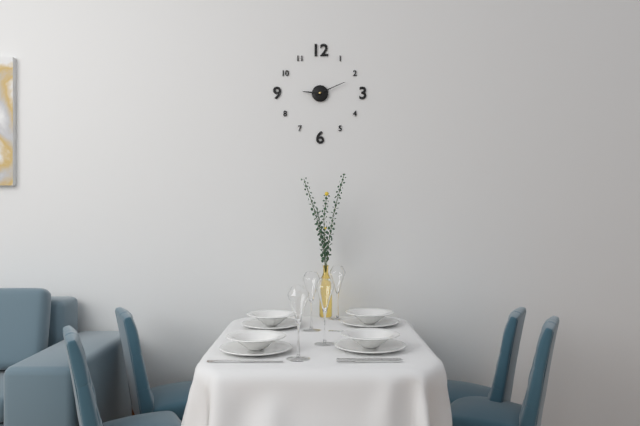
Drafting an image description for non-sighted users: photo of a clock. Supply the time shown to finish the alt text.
9:11
